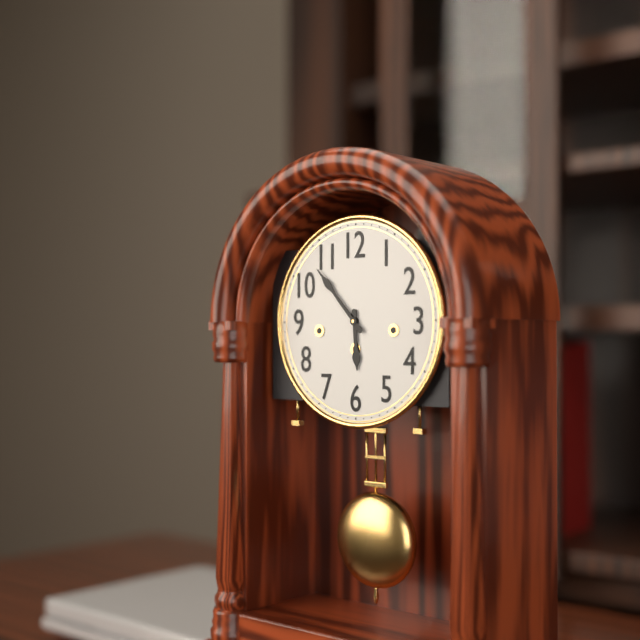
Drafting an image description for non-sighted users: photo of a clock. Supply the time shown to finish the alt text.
5:53
